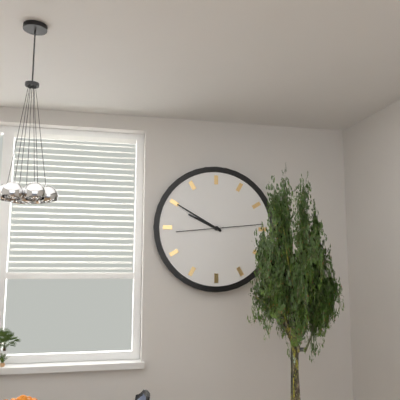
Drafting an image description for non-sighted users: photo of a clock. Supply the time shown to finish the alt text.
9:50:14
